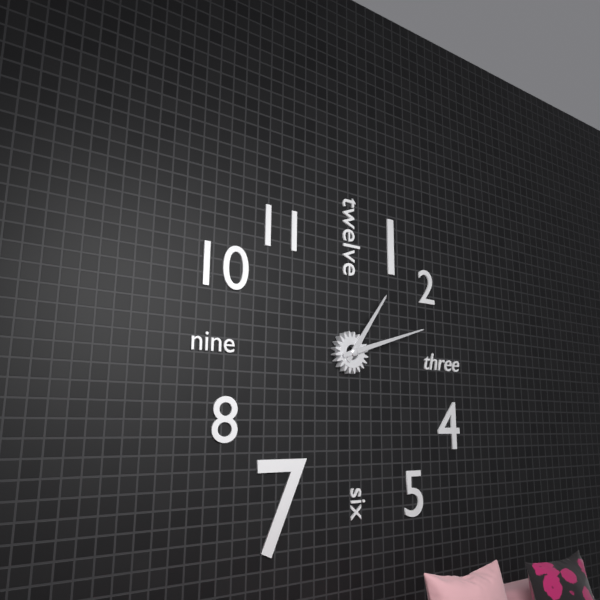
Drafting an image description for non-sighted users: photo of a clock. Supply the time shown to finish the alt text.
1:12
